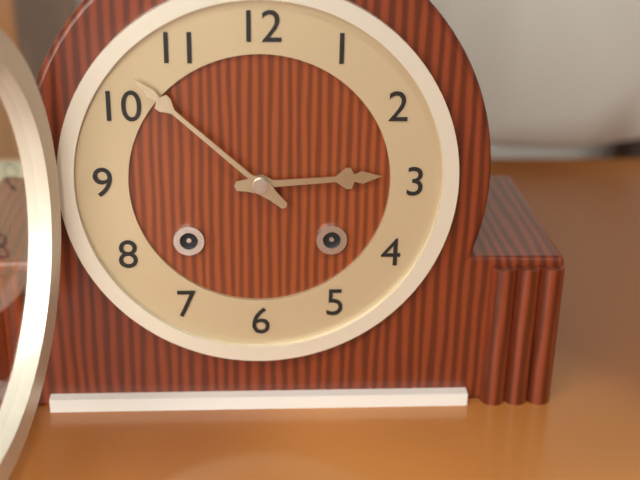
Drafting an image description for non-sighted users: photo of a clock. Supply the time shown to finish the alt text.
2:52
